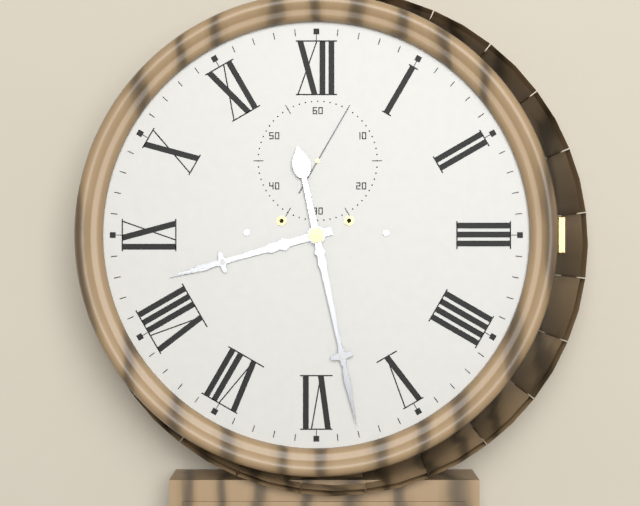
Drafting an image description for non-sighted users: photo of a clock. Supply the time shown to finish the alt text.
8:28:05
